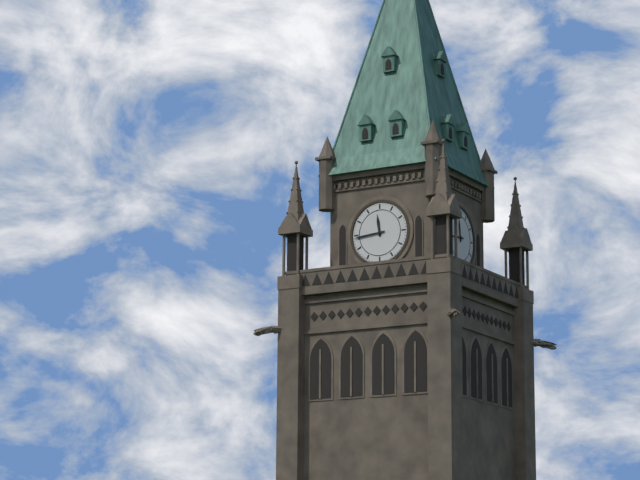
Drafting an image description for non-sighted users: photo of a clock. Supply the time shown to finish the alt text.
11:44
